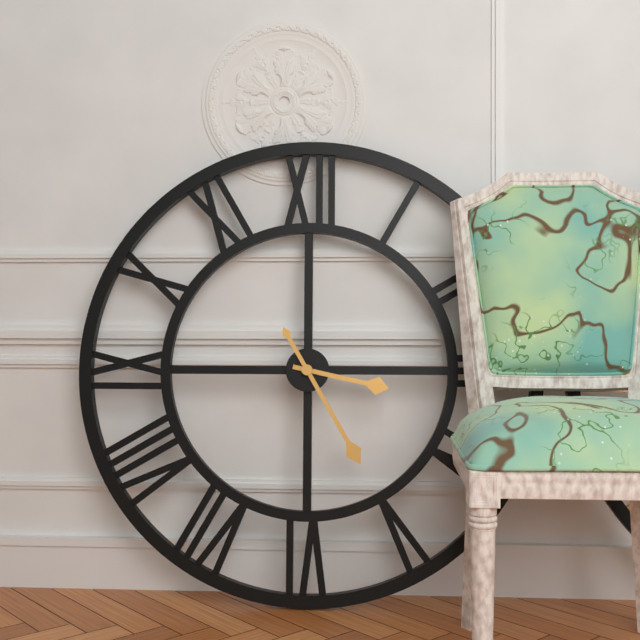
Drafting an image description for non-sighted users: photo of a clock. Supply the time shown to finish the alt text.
3:25
